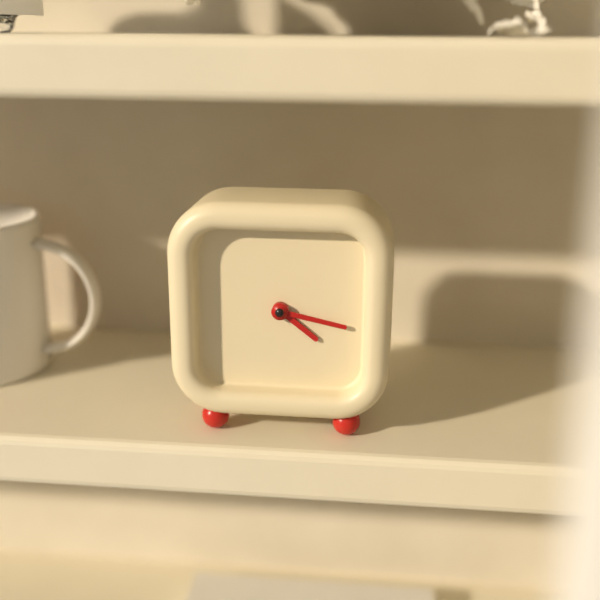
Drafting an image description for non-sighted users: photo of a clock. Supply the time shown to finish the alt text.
4:17
